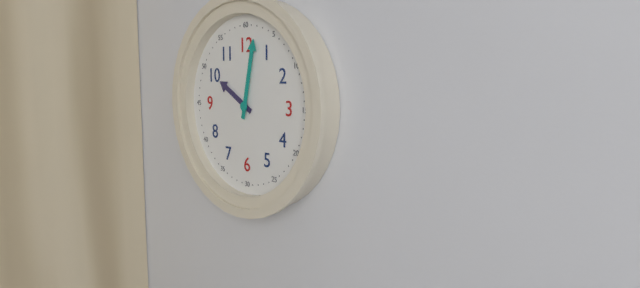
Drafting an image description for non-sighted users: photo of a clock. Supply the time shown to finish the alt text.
10:02
